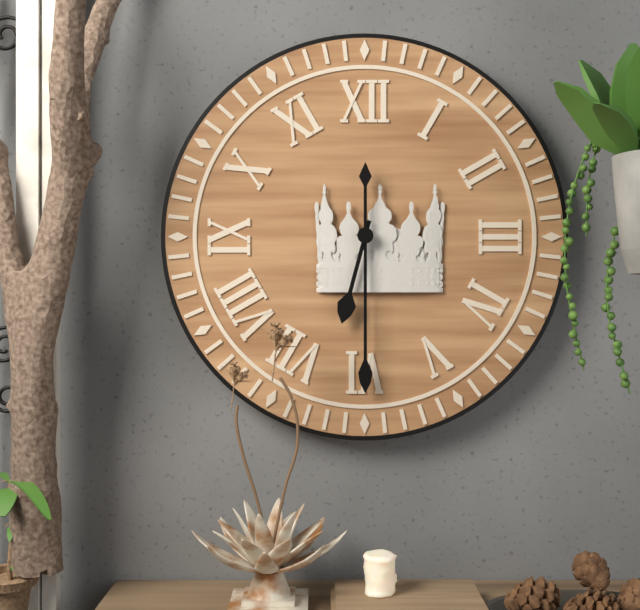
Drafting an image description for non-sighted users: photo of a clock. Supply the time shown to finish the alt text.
6:30
